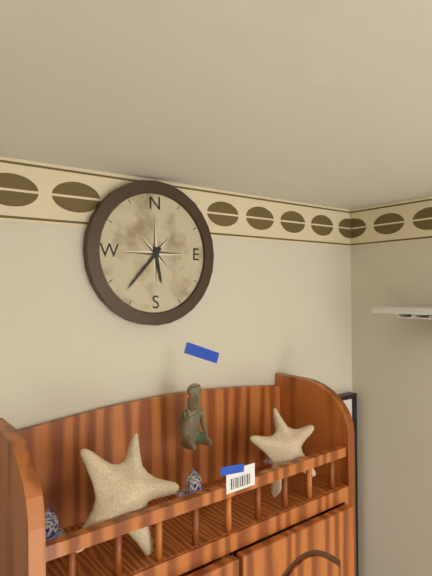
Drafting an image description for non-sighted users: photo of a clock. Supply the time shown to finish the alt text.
5:37
